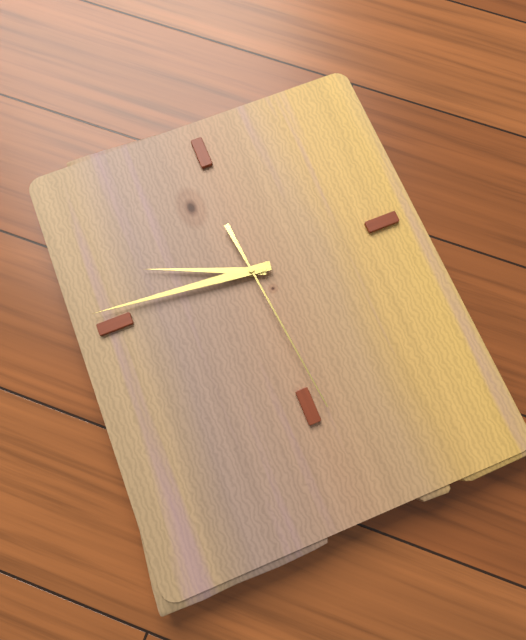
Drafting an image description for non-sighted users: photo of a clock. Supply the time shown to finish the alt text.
9:46:29
